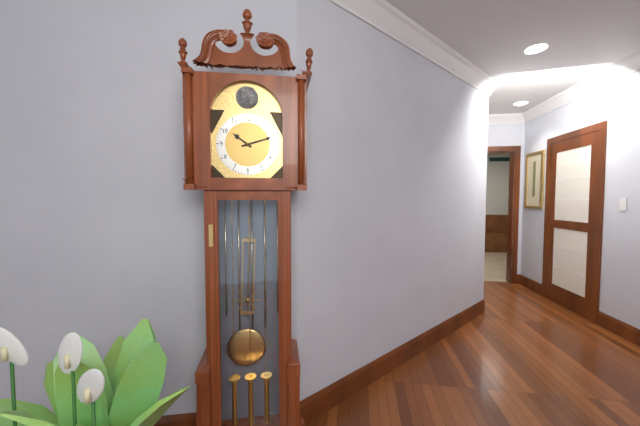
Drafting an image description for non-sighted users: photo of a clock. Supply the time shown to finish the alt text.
10:12
